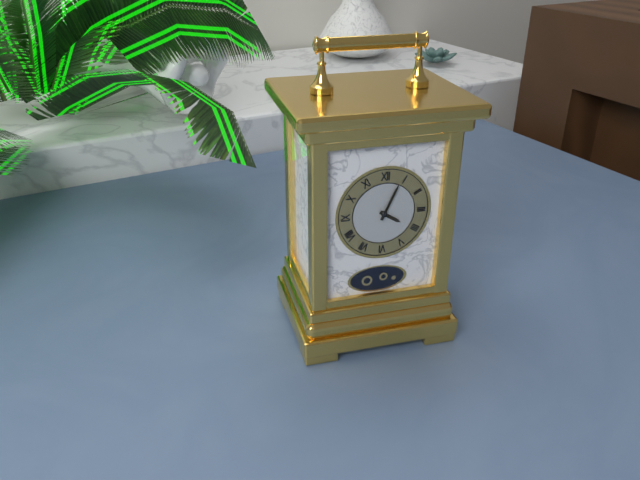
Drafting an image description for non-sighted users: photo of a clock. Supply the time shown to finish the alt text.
4:04
